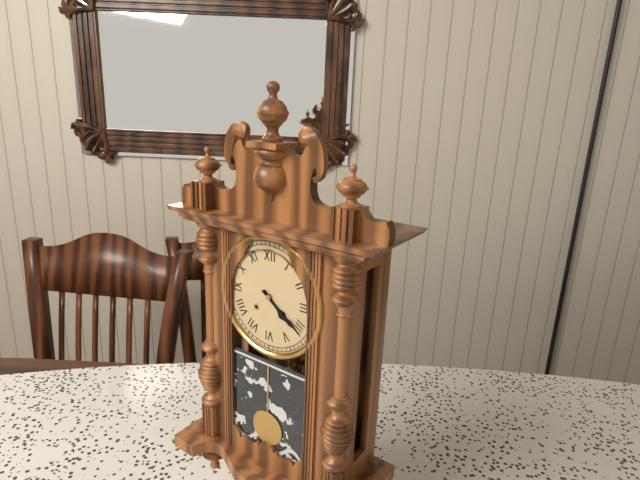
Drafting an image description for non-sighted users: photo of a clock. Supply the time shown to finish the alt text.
4:21
